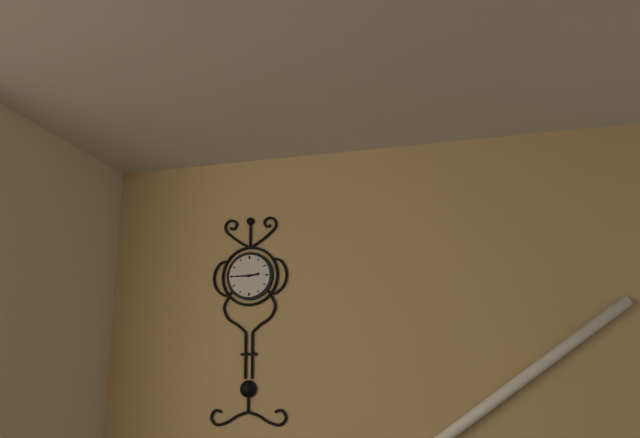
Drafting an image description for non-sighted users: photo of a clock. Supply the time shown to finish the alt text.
2:45
